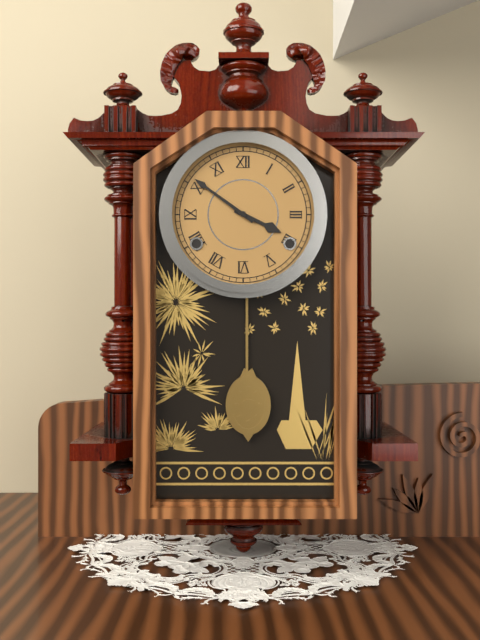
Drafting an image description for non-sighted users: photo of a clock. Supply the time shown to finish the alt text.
3:51
